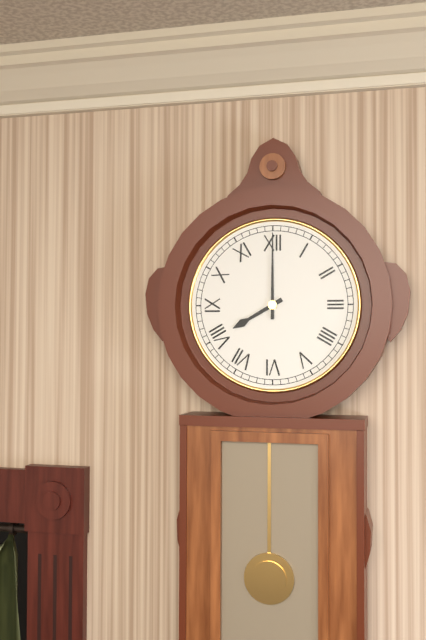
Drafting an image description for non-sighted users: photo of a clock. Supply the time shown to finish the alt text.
8:00
